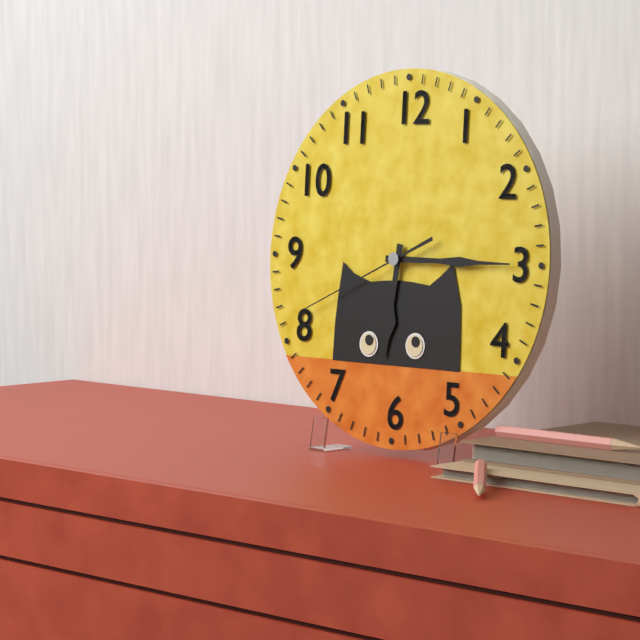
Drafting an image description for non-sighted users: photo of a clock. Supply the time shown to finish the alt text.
6:15:41
